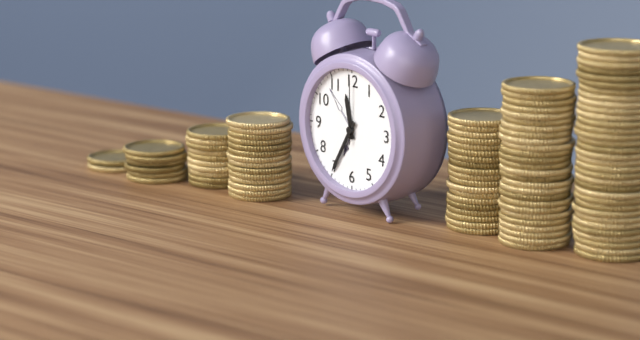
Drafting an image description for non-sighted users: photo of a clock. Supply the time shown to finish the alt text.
11:35:00
